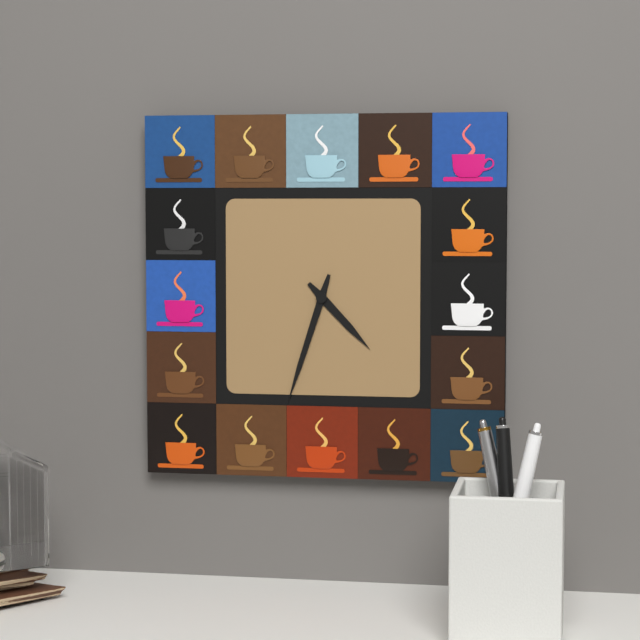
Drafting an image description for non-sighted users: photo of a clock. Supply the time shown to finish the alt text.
4:33
